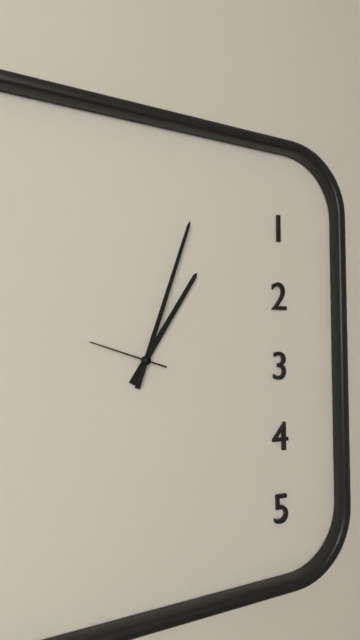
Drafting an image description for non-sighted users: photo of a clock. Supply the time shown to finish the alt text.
1:03:48
